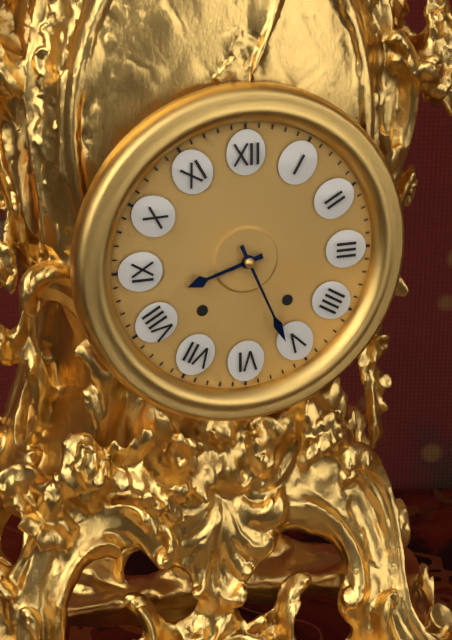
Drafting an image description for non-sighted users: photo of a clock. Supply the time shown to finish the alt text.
8:26
